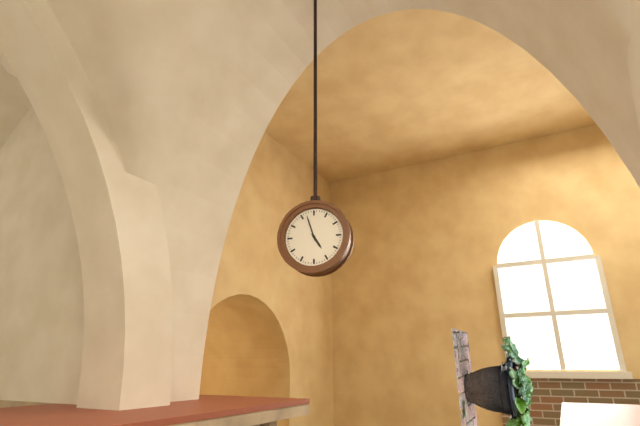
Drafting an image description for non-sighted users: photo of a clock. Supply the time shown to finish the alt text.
4:57
